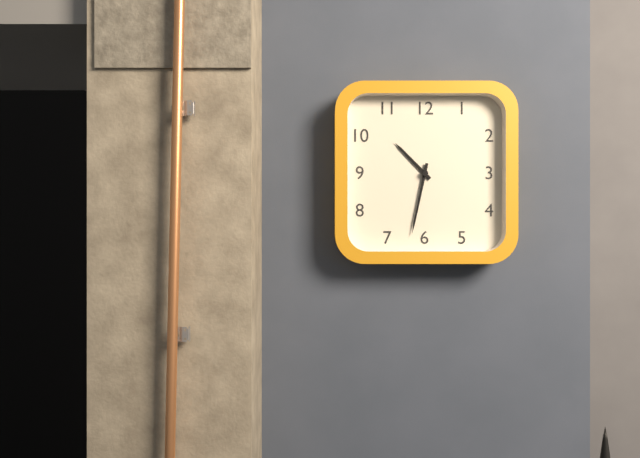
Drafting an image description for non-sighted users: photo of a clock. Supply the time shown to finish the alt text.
10:32
